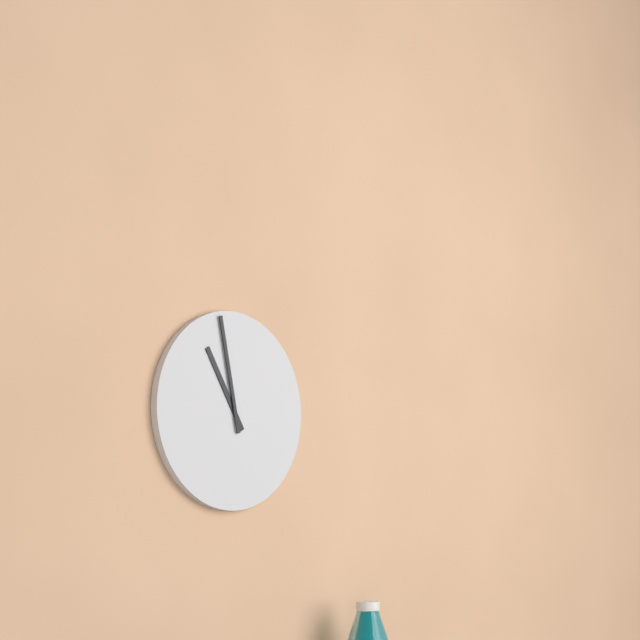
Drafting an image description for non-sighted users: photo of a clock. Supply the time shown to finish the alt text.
10:58
